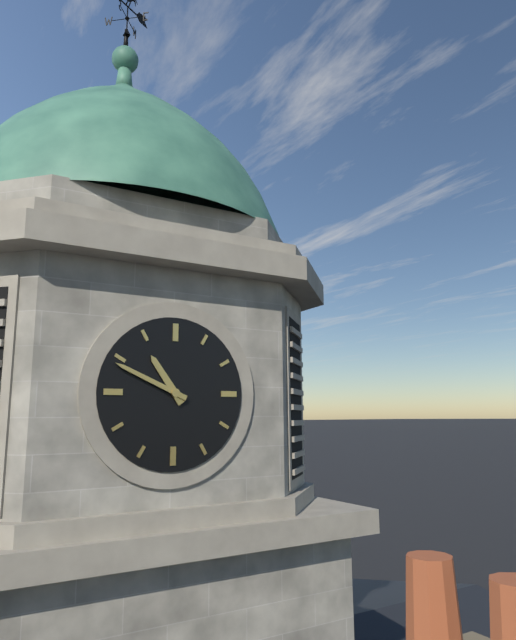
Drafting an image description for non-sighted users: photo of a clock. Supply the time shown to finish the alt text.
10:49
